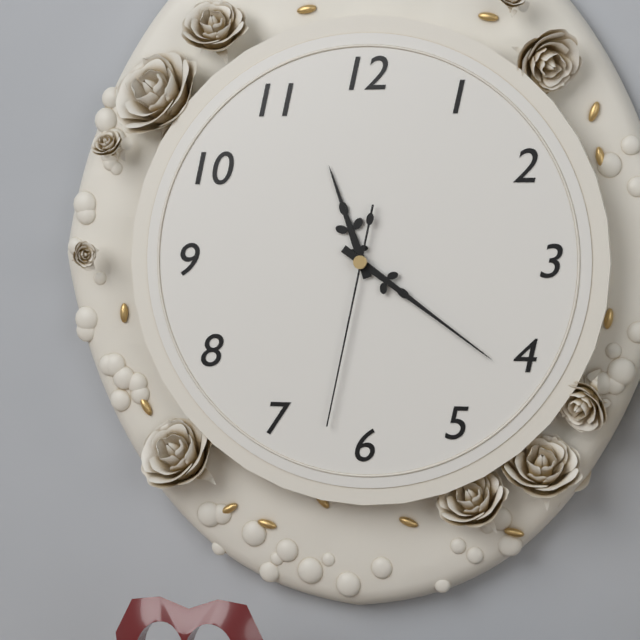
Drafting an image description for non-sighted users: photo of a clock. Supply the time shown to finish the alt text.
11:21:32
